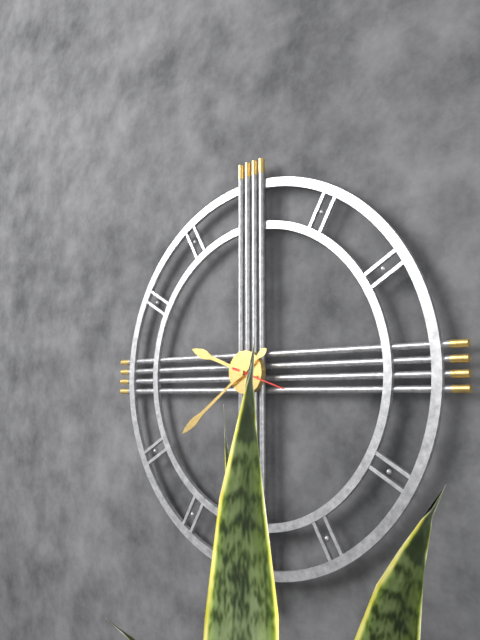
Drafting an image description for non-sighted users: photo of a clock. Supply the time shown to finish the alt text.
9:39:18
